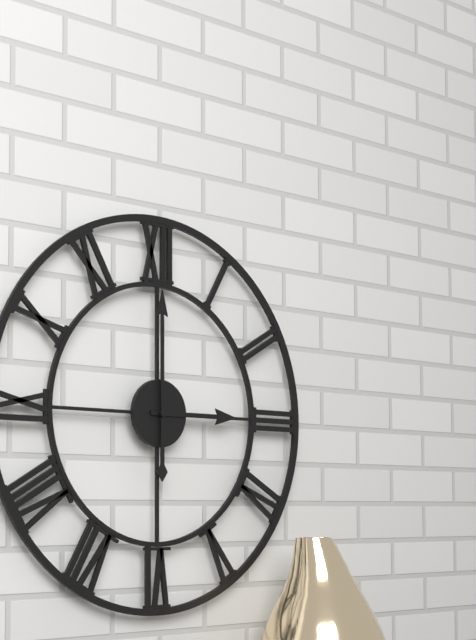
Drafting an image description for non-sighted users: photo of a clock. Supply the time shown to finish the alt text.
3:00
